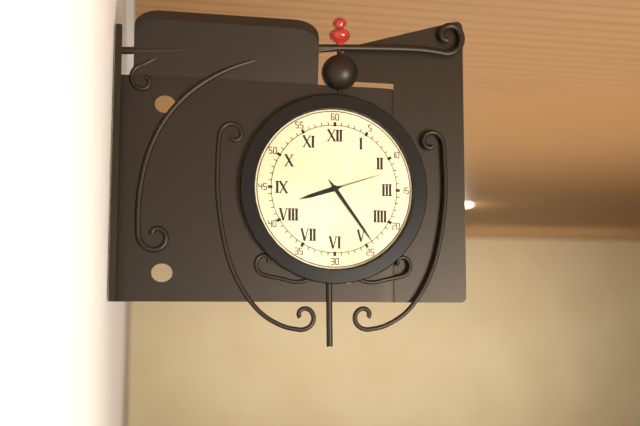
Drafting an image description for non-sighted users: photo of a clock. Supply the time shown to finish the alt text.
8:24:12
